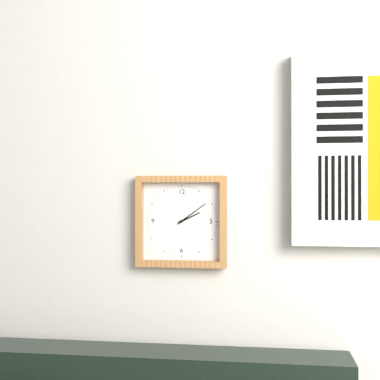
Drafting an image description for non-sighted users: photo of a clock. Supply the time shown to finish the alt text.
2:09
